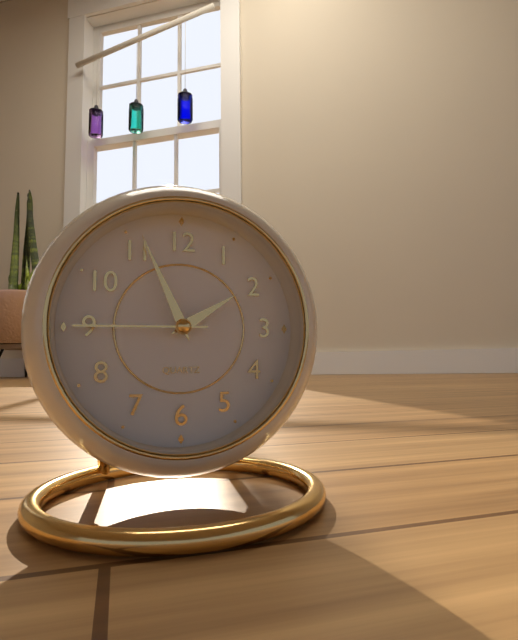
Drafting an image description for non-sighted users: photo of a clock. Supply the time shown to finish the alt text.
1:56:45
